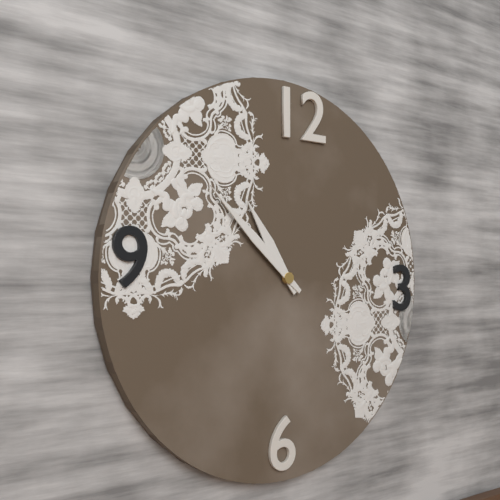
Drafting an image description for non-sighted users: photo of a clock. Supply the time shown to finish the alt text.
10:52
